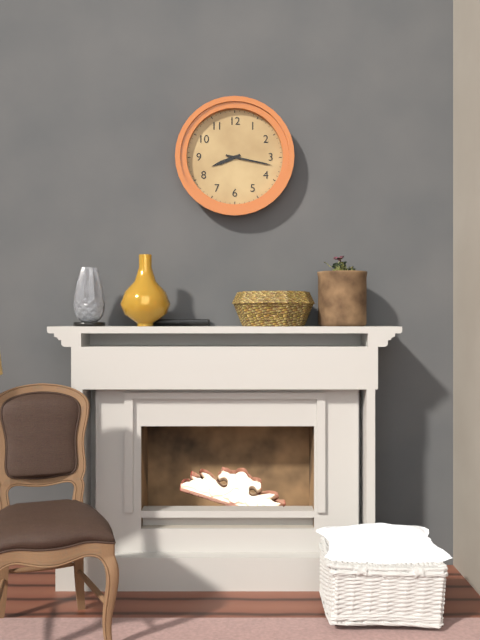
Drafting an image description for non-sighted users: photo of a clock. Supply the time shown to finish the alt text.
8:17
